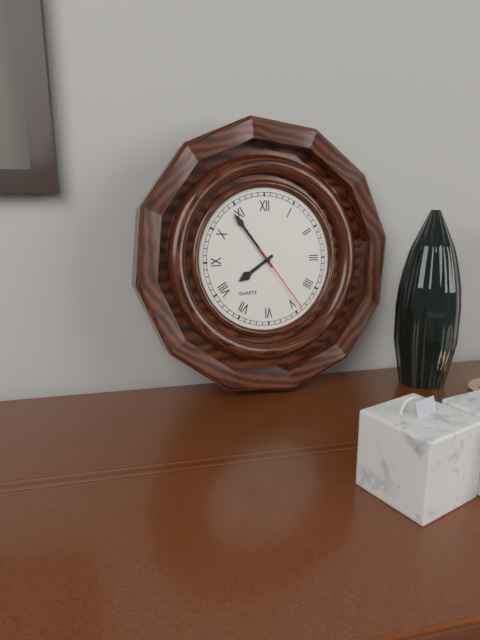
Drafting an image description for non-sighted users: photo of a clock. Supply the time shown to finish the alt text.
7:54:24
